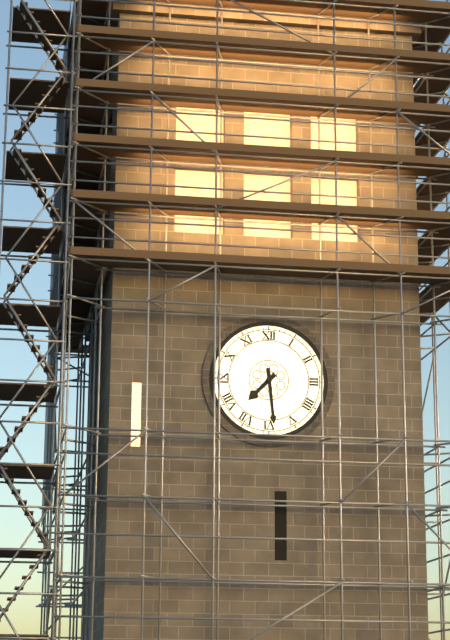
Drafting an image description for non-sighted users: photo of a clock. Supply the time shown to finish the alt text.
7:29
